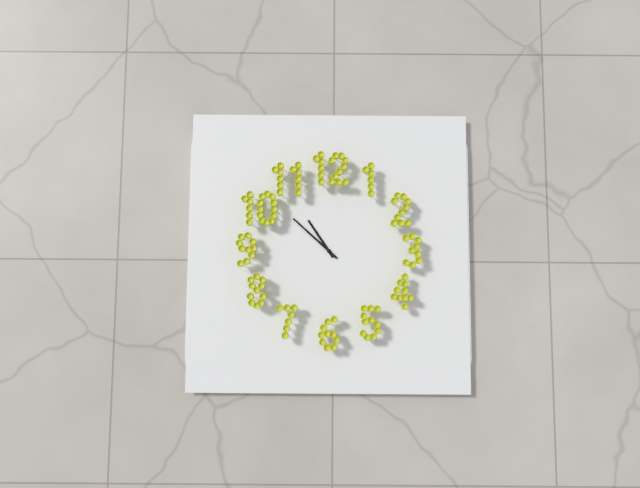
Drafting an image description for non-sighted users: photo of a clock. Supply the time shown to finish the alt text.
10:52
